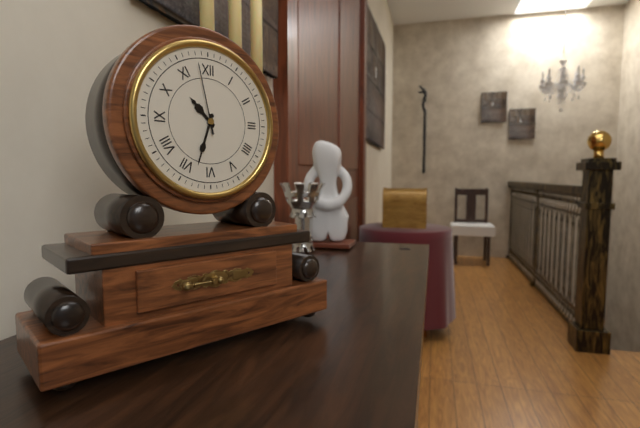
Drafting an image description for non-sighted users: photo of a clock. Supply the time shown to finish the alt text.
10:33:58
